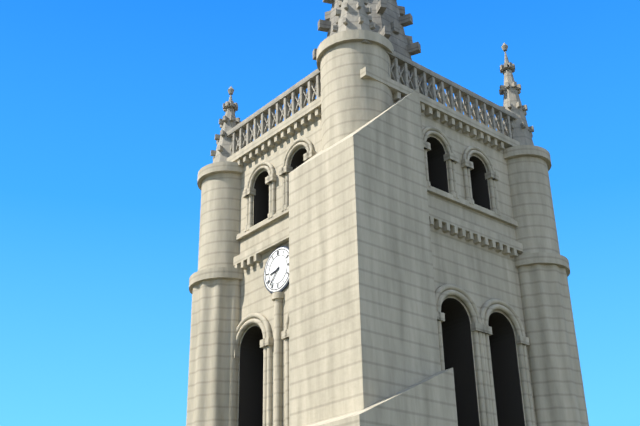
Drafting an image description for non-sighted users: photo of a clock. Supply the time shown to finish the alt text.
8:37
